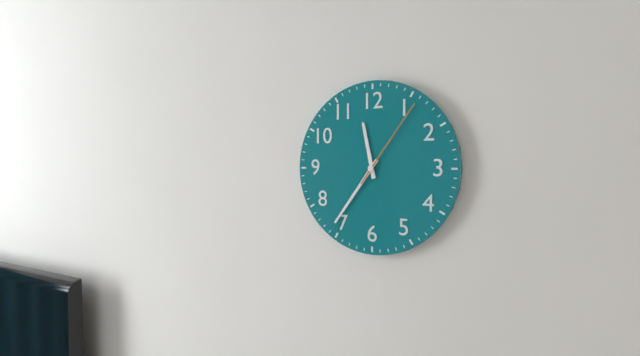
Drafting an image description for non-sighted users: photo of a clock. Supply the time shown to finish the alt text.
11:36:06
